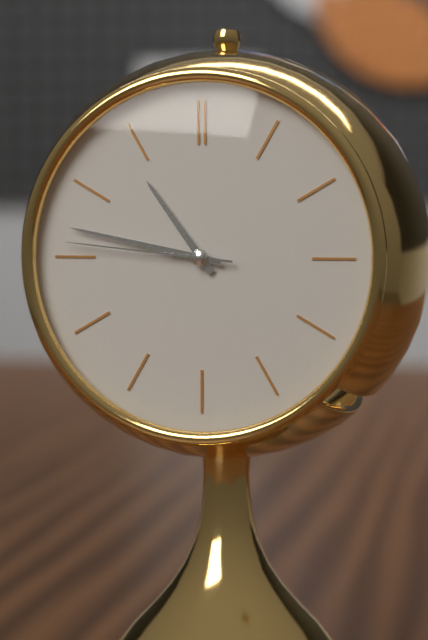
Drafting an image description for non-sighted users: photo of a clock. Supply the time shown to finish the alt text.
10:47:46
